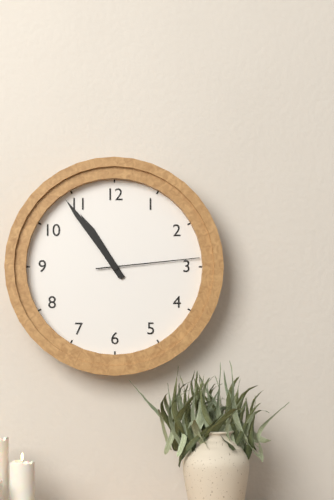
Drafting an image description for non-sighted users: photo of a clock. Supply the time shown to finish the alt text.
10:54:14
